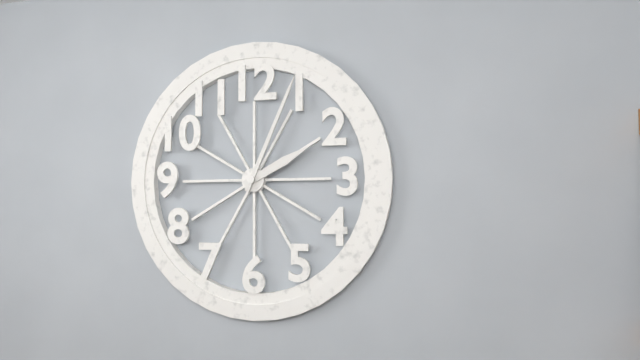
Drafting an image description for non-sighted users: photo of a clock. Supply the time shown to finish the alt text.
2:04
